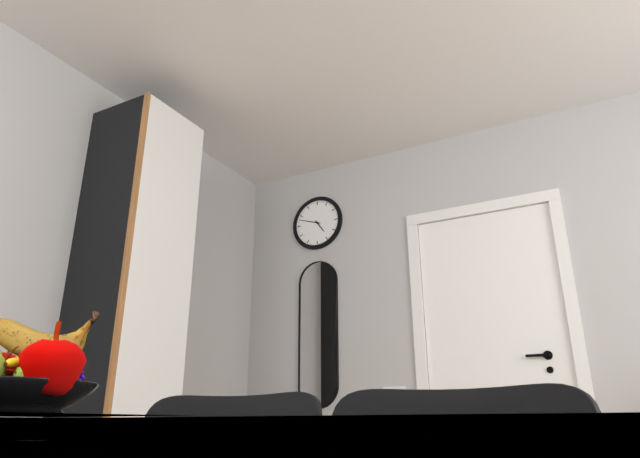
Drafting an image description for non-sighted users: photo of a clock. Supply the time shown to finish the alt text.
4:48
